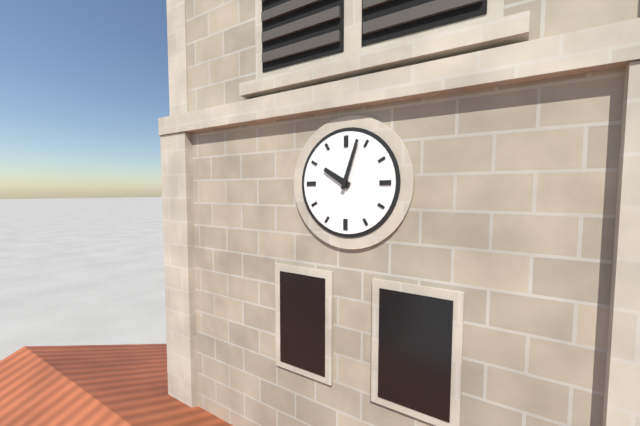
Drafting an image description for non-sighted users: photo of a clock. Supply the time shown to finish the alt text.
10:03
